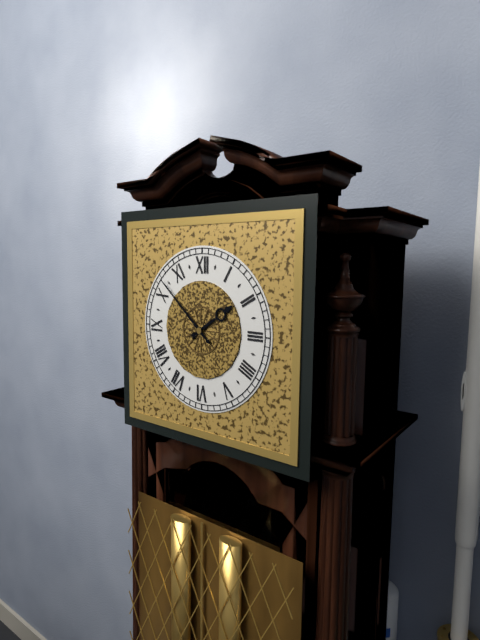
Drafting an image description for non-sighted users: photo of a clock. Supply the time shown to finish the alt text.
1:52
